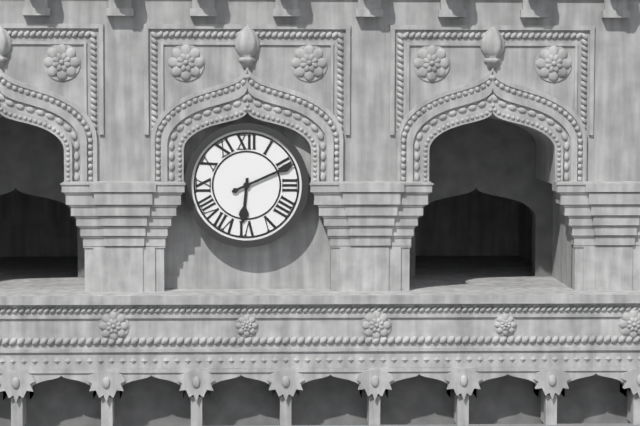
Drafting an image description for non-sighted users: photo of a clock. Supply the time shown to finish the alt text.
6:11
